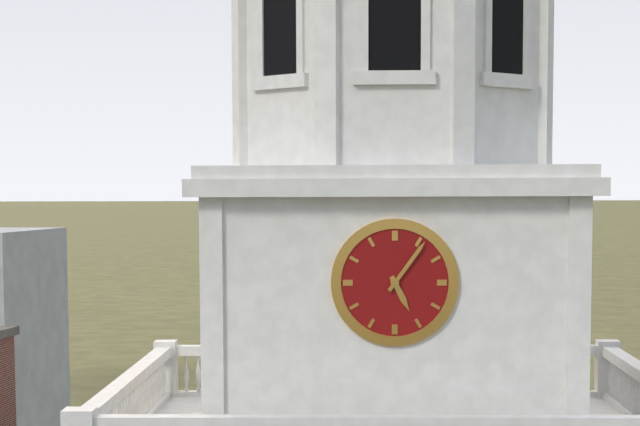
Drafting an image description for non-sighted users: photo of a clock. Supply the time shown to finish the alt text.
5:06
